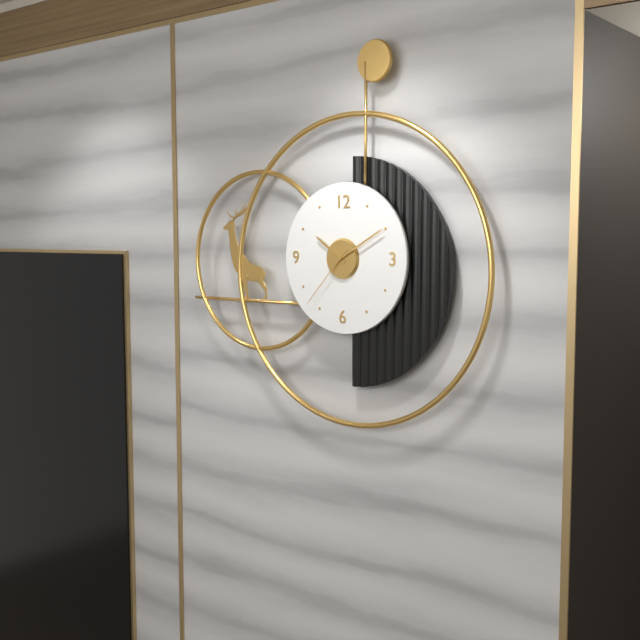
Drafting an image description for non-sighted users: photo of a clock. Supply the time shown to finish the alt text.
10:10:37
